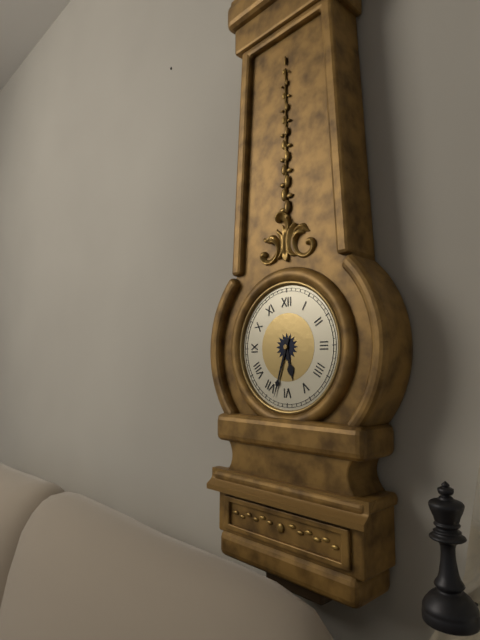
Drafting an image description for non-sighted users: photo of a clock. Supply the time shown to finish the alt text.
5:33
